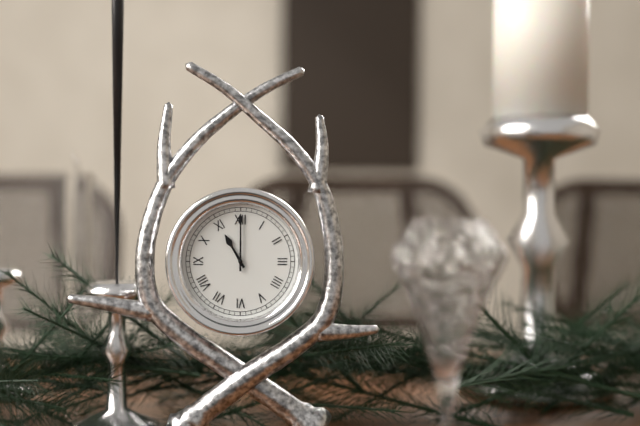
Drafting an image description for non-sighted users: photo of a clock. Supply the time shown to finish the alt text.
11:00
